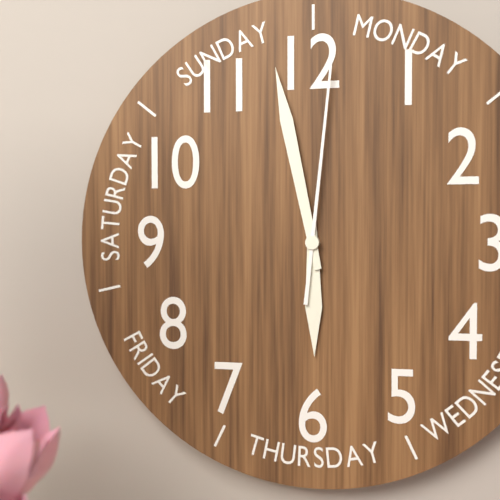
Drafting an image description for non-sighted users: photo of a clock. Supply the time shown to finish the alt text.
5:58:01
